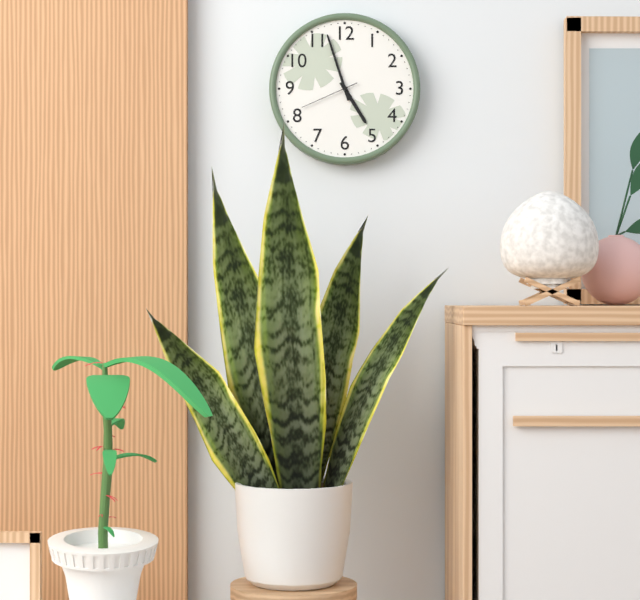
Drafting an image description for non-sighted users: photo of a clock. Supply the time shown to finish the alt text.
4:57:41
